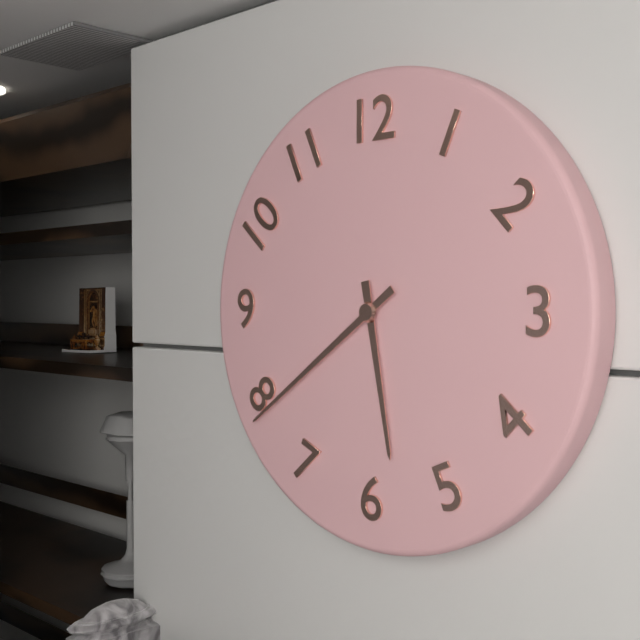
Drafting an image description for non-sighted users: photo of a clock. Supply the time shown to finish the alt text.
5:39
